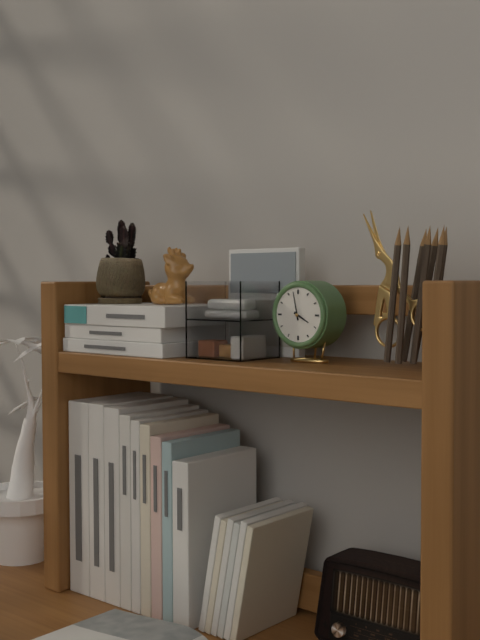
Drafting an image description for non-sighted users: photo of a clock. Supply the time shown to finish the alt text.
3:58
